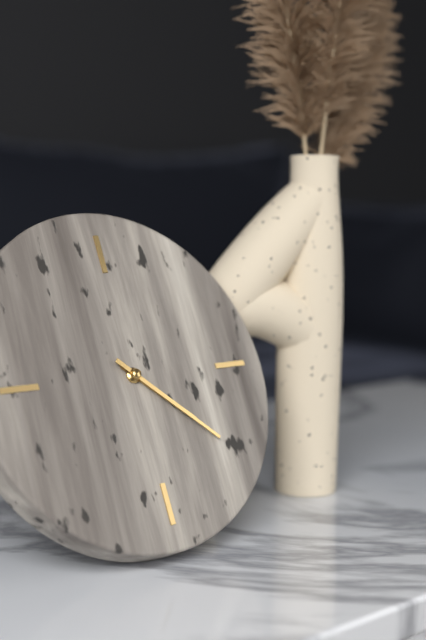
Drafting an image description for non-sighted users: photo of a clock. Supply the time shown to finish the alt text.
4:22
